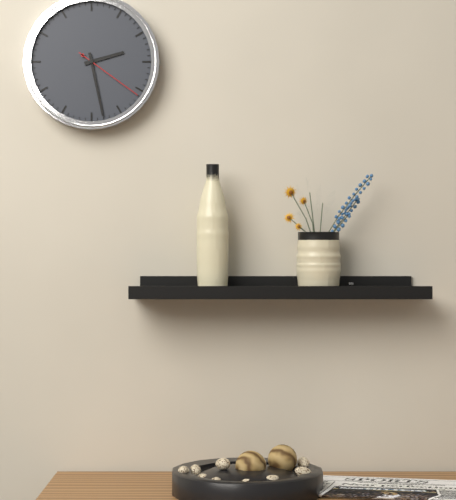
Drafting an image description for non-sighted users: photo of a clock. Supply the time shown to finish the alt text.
2:28:21
